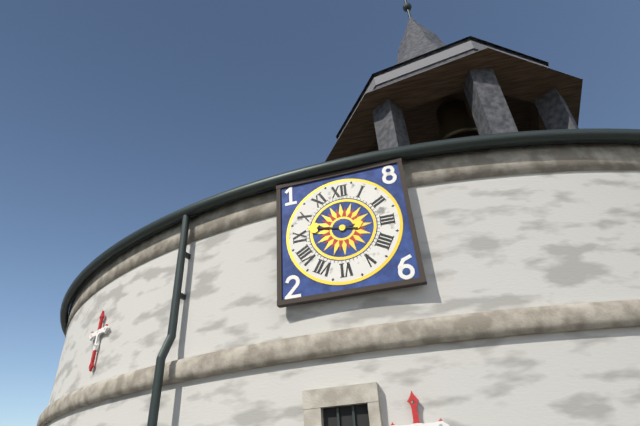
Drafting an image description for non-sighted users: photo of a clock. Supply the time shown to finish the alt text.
2:47
